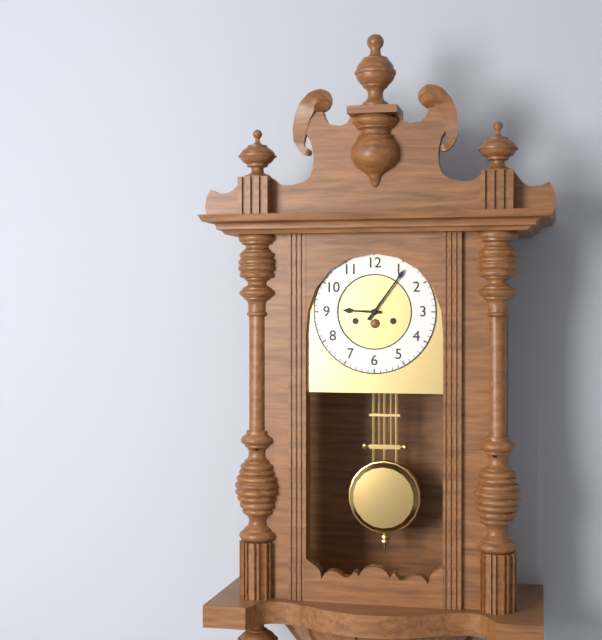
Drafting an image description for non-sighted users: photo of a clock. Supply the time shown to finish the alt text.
9:06
